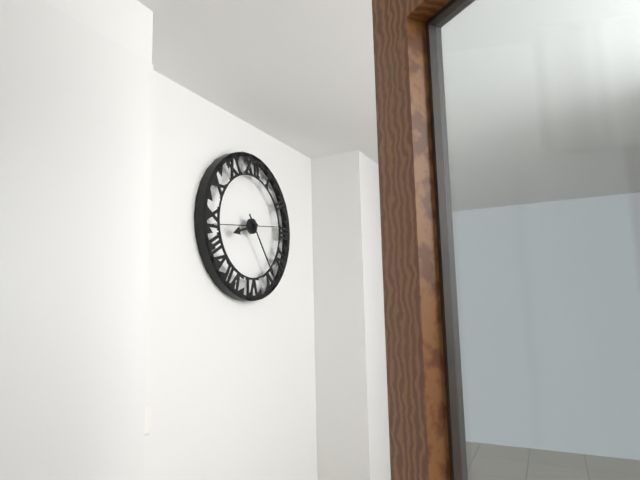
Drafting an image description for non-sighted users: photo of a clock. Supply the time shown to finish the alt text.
8:24
